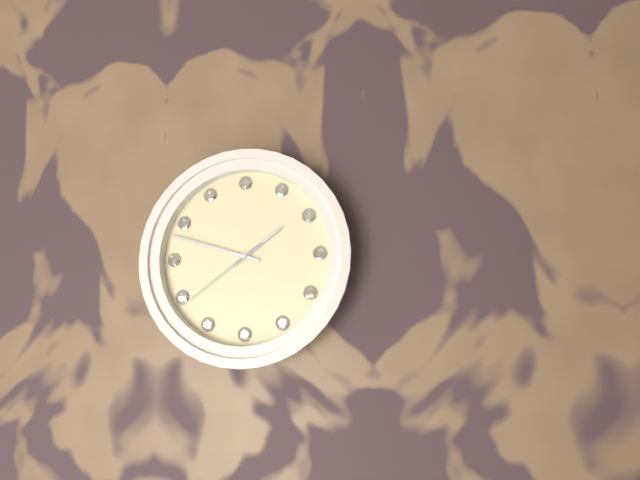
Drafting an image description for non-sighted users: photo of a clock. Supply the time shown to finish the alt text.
1:48:39
